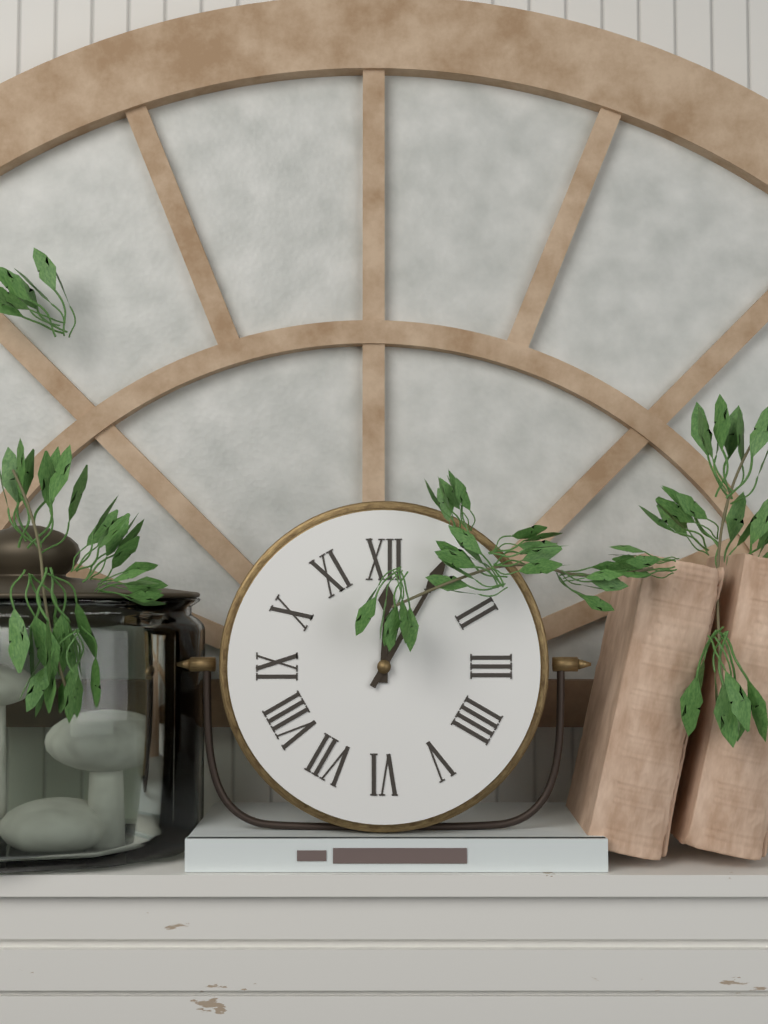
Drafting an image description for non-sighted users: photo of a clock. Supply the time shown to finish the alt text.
12:05
